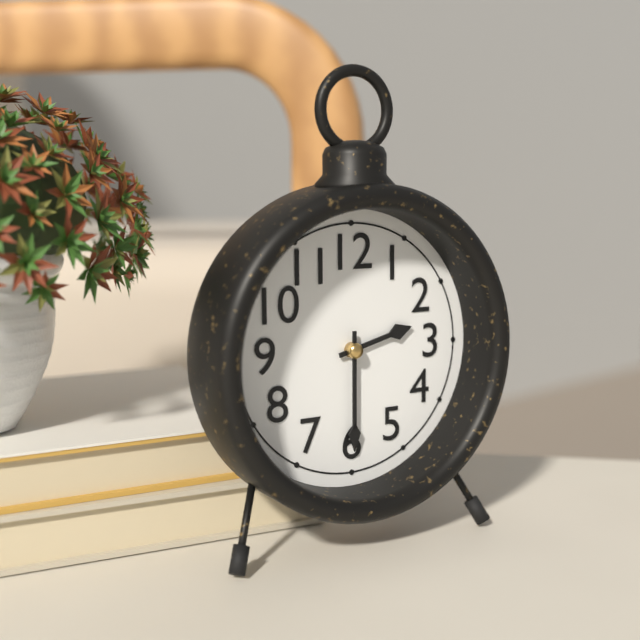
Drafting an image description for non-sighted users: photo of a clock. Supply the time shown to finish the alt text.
2:30
